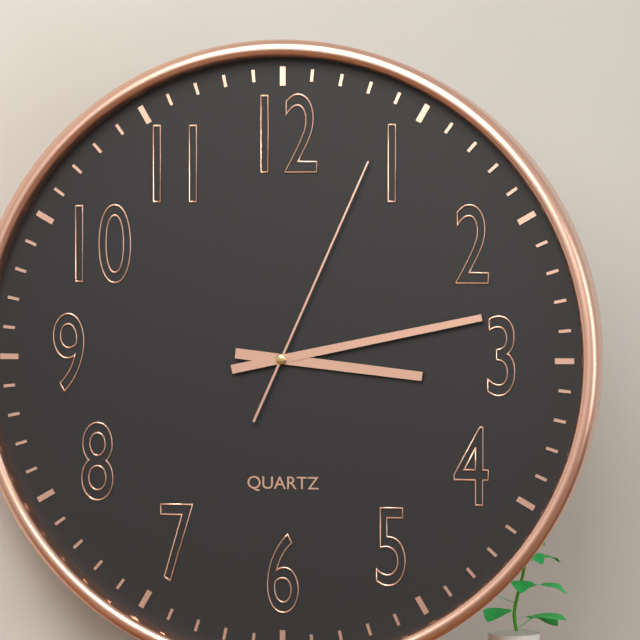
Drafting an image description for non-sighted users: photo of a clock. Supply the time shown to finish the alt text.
3:13:04
